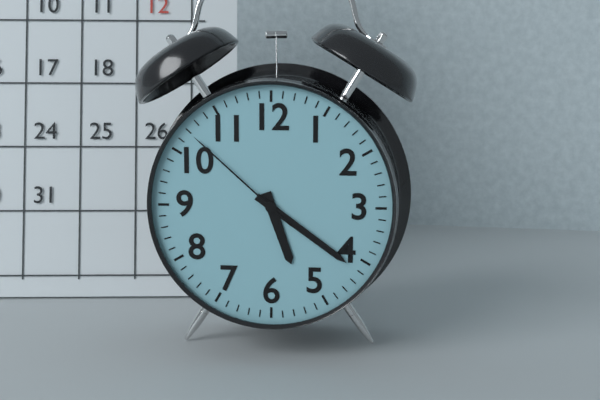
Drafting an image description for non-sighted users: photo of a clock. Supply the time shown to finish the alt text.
5:21:52
